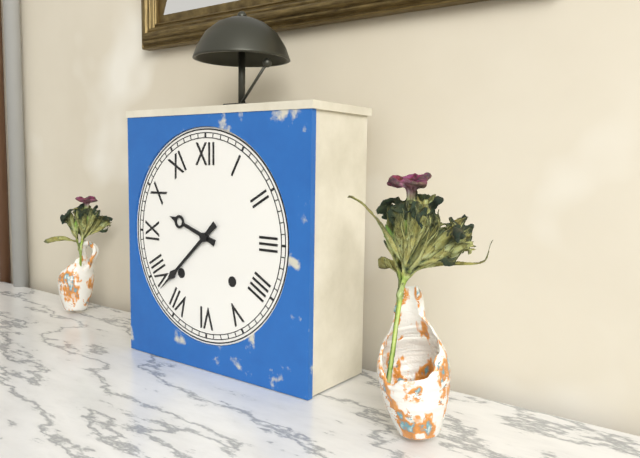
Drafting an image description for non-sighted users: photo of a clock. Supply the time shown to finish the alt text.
9:38
